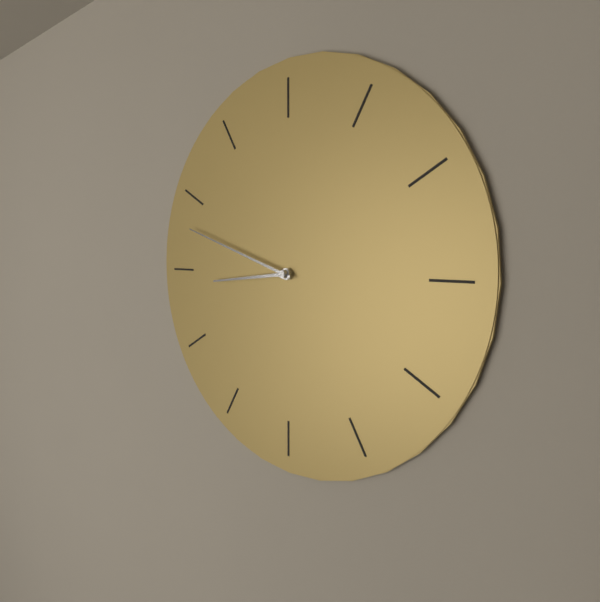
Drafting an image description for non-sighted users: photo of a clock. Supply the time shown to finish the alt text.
8:48
